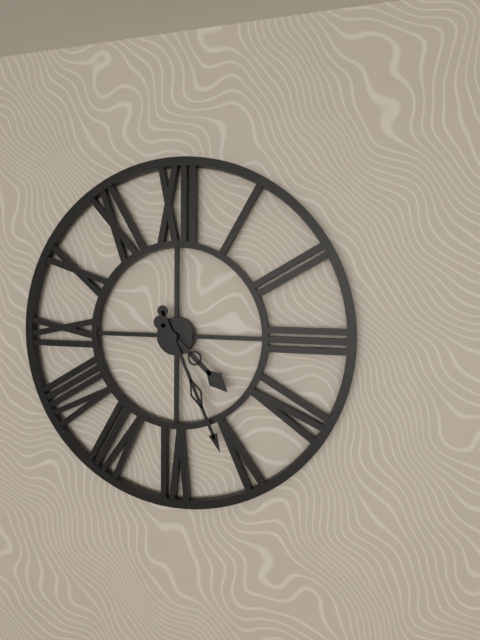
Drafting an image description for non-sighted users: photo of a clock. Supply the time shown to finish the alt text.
4:26
